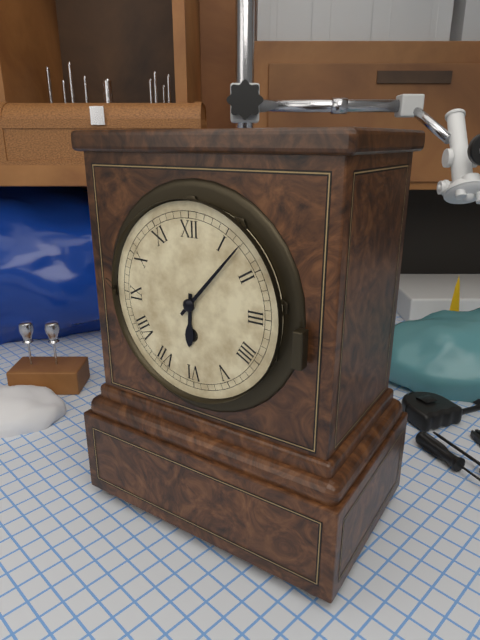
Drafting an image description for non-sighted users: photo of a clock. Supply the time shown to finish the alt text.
6:07
